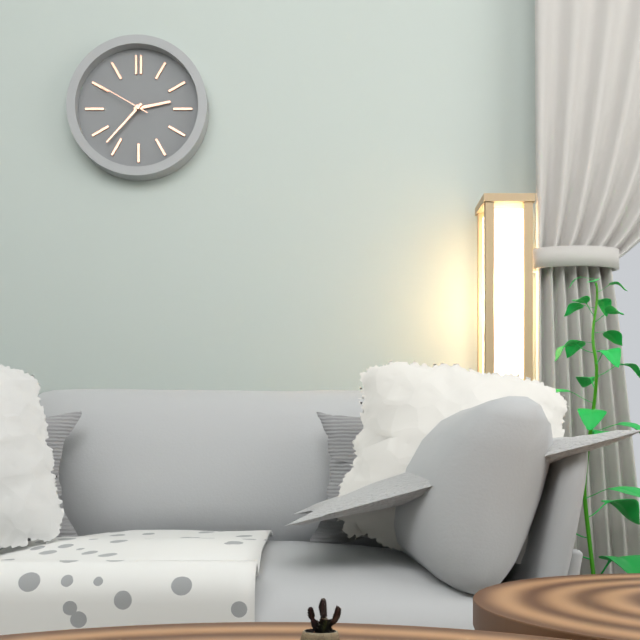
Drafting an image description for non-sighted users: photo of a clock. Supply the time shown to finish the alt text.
2:37:50
